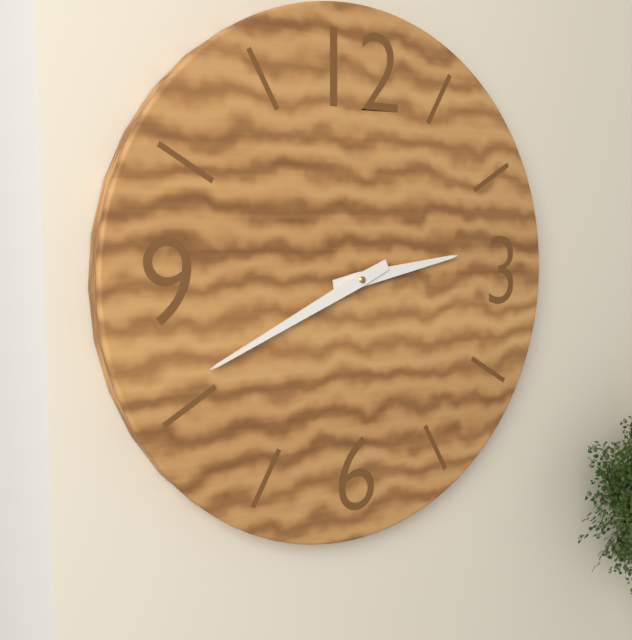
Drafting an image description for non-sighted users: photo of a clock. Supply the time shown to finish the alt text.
2:41
